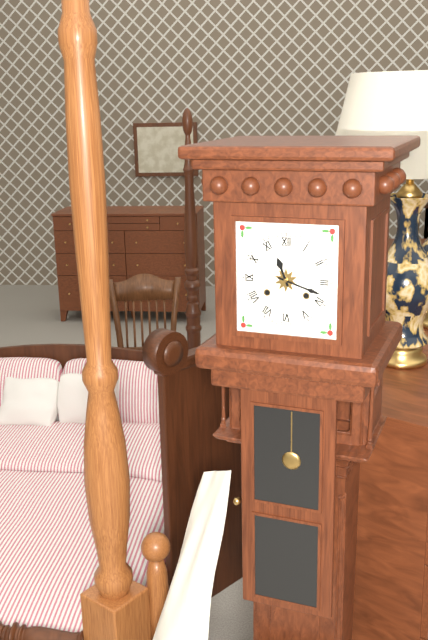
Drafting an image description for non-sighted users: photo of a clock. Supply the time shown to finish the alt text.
11:18
